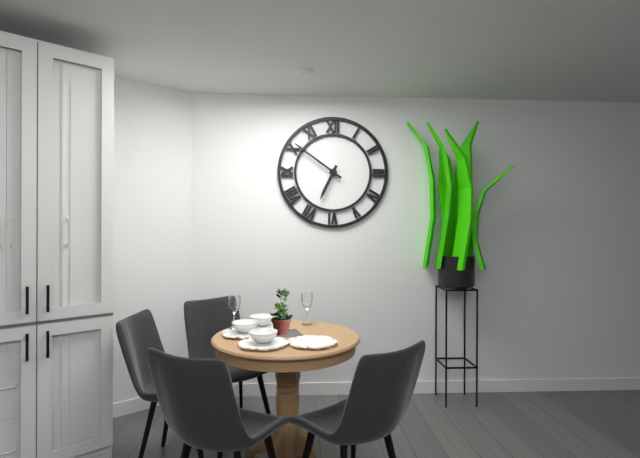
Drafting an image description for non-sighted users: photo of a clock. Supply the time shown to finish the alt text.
6:51
